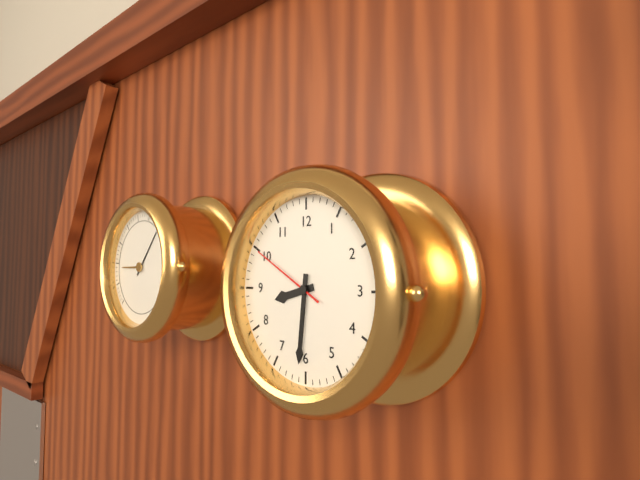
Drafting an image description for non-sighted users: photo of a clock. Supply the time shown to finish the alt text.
8:31:50
